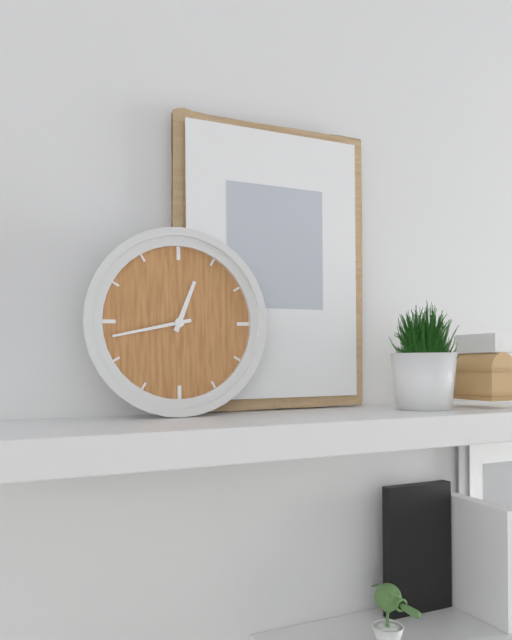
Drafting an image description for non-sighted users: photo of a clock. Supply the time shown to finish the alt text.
12:43
